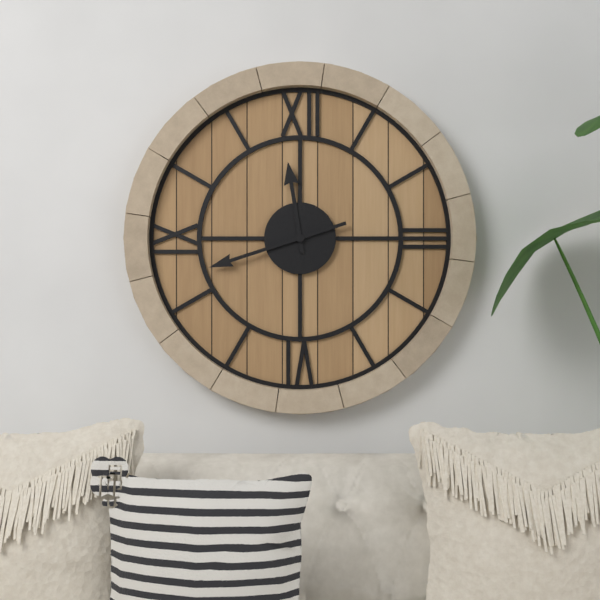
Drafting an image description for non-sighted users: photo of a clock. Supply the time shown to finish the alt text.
11:42
